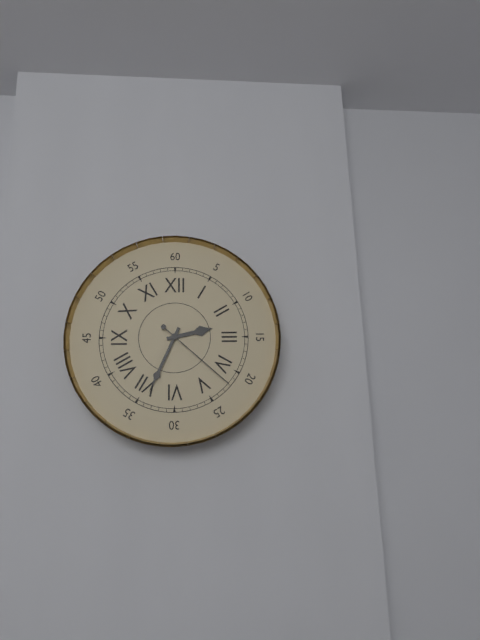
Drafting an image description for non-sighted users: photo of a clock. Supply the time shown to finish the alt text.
2:34:22
